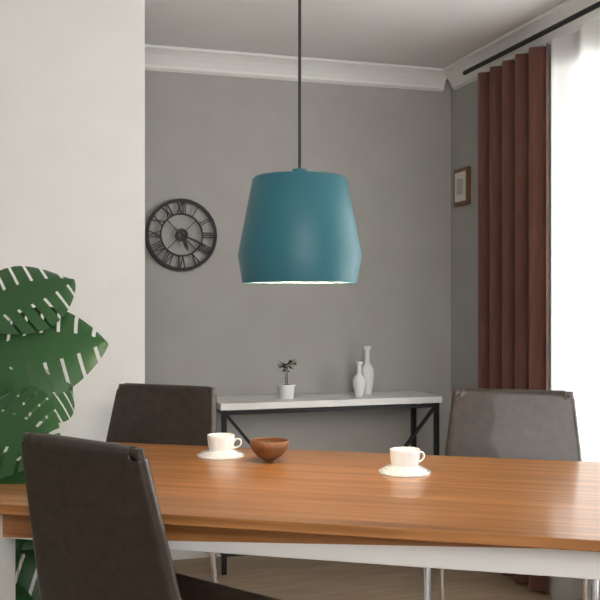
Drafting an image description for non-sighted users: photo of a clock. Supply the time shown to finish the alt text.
5:19
